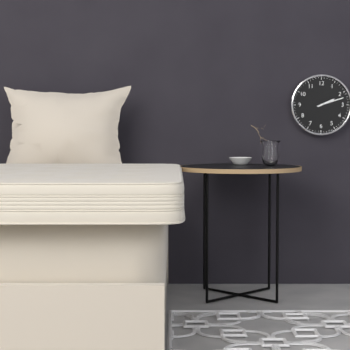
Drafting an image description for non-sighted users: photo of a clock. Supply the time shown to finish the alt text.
2:12
